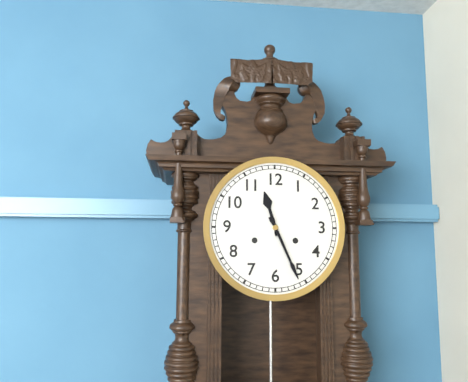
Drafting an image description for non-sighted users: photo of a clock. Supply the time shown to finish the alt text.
11:26
